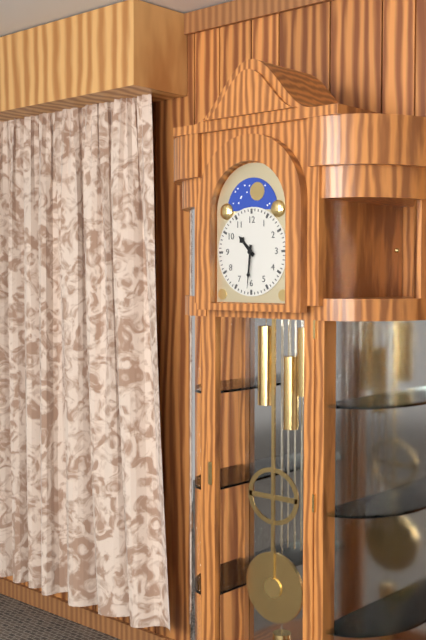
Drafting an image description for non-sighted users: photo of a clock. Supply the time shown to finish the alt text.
10:31
